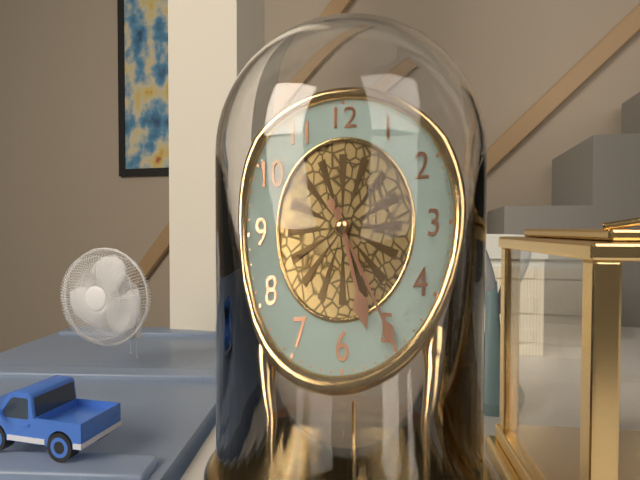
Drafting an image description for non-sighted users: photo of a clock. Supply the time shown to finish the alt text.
5:25
